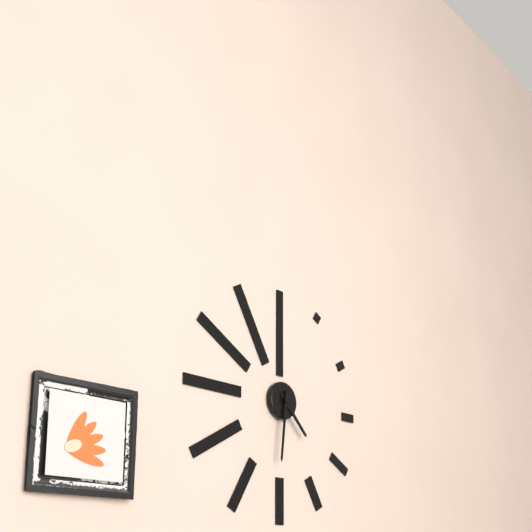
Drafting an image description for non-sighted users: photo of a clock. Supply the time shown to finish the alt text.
4:31
